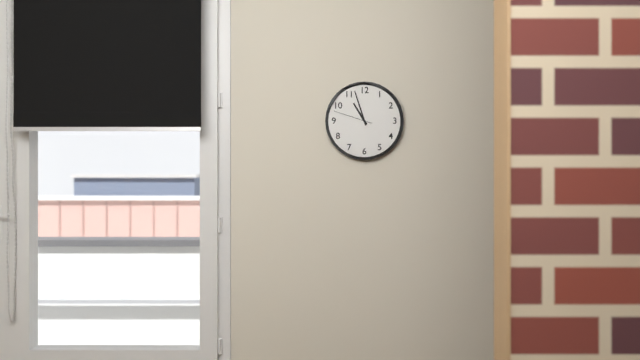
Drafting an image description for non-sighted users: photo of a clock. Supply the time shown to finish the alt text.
10:57
